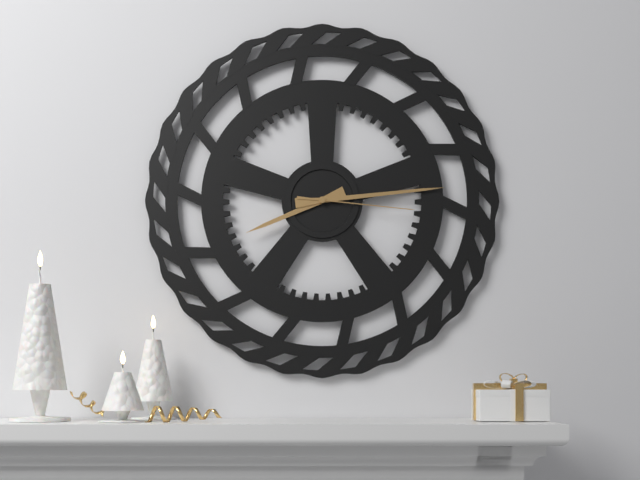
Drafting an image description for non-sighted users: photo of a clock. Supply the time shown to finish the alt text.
8:14:16
